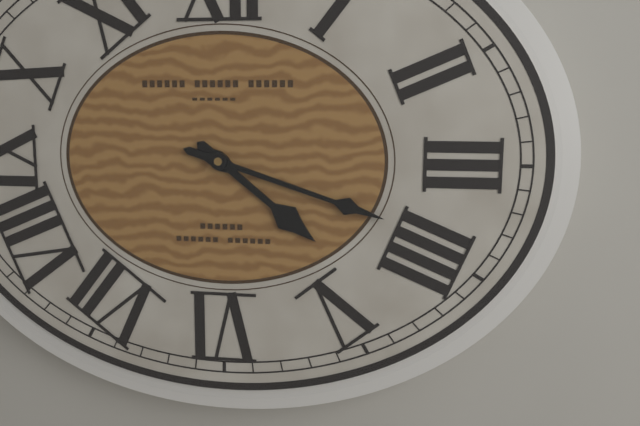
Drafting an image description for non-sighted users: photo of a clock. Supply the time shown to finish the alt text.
4:18
